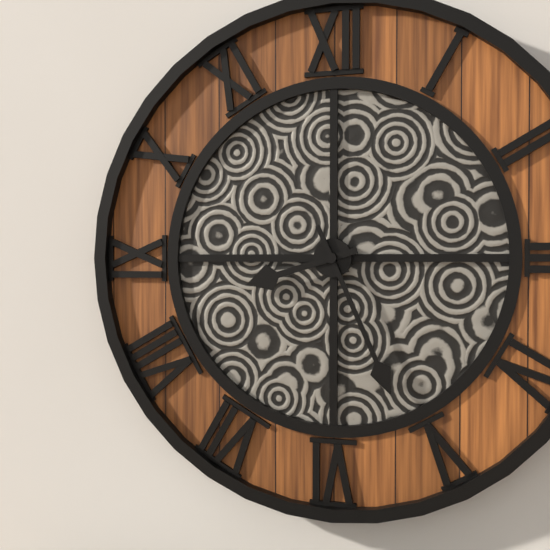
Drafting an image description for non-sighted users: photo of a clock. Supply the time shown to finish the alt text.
8:26
